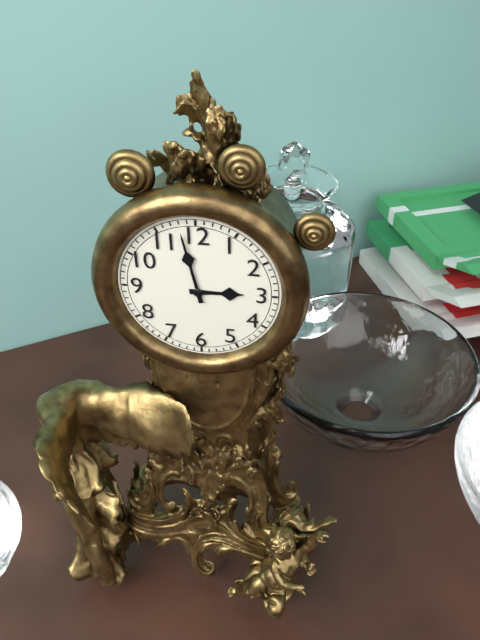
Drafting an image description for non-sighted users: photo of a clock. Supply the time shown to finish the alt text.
2:58
